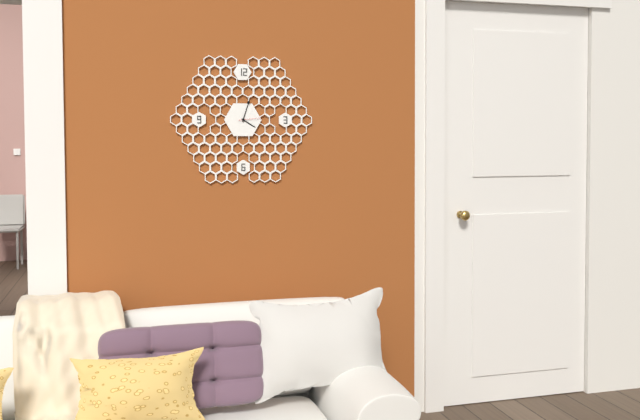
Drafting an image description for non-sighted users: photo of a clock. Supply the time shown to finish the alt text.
4:03
